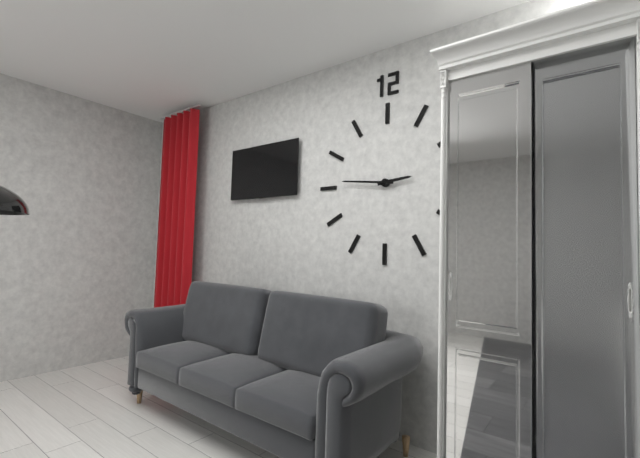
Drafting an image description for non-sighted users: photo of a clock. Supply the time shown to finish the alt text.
2:46
